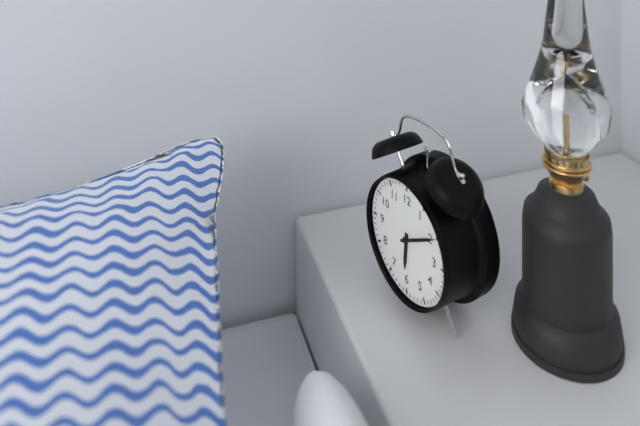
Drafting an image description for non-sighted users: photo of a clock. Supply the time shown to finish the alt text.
6:10
